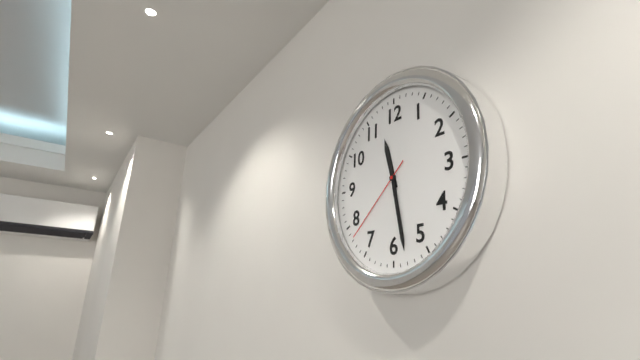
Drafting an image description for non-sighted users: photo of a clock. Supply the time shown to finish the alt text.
11:28:38
